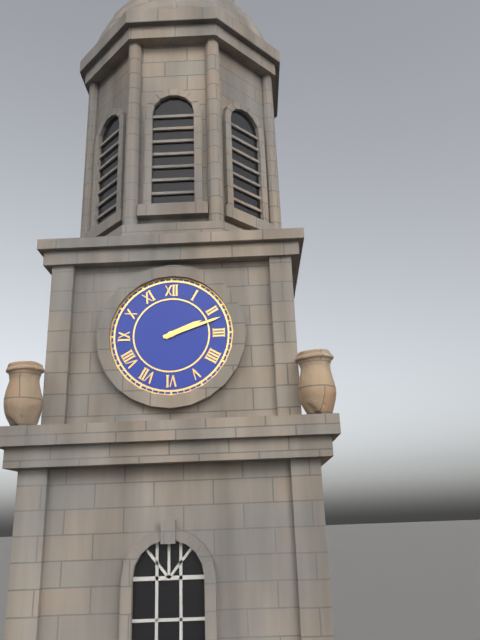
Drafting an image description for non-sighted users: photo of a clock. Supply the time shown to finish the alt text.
2:12
